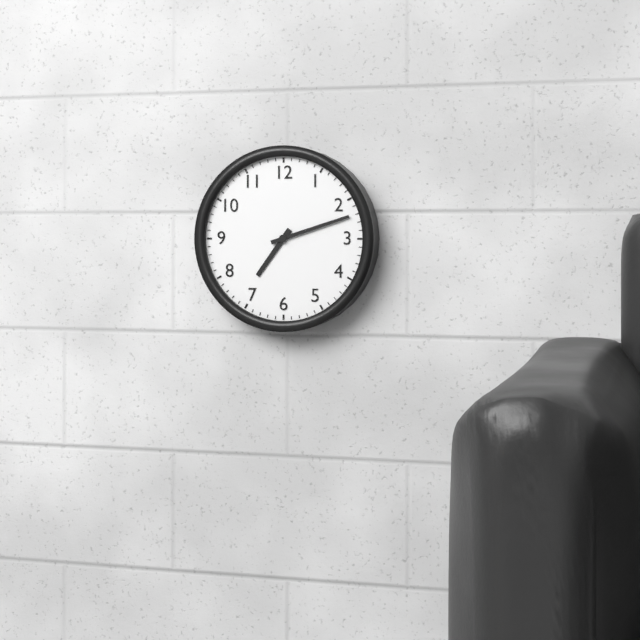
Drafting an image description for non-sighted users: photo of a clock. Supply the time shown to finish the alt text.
7:12
